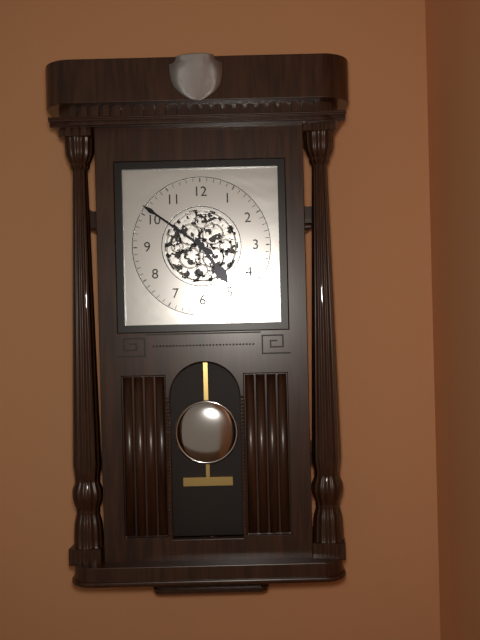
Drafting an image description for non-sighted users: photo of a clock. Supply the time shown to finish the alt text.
4:51
